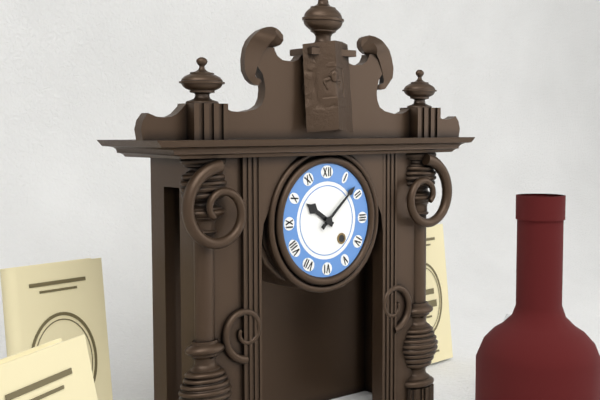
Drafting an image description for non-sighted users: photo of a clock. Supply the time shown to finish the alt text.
10:08
